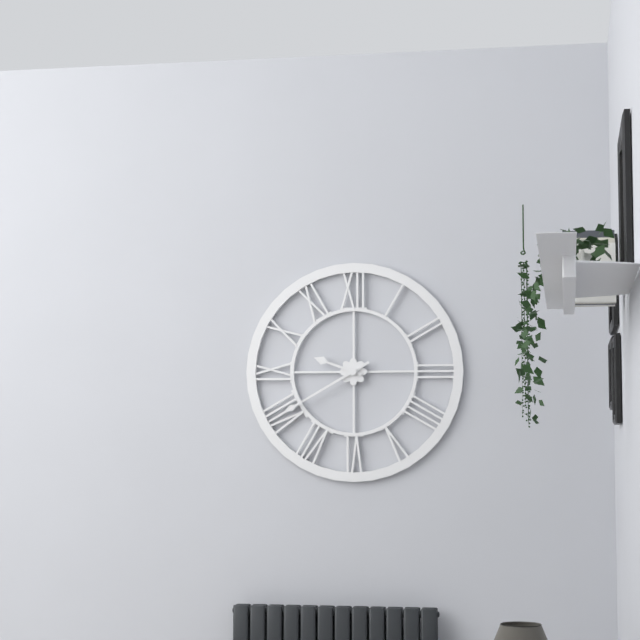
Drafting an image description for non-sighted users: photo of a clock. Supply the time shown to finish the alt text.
9:40
